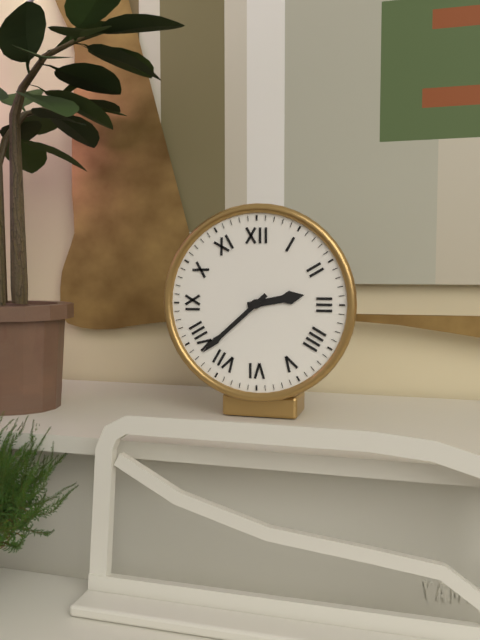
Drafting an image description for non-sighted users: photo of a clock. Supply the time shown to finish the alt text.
2:38
